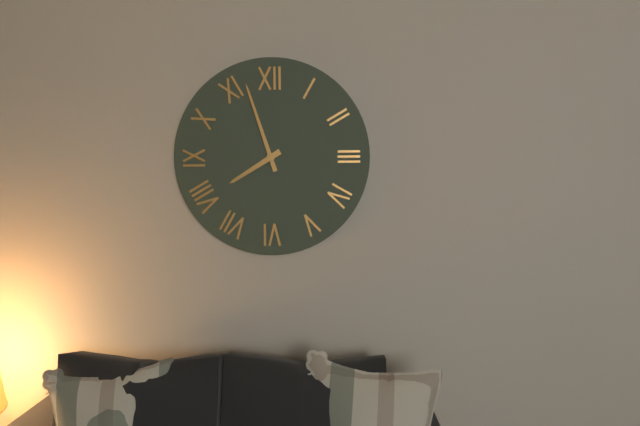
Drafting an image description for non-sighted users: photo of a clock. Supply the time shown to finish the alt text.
7:57
